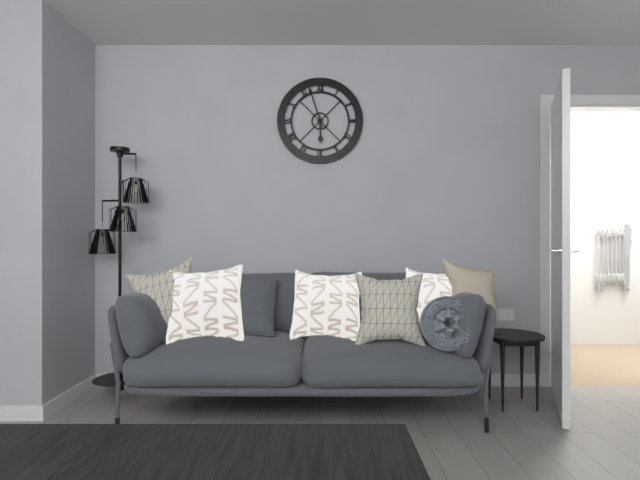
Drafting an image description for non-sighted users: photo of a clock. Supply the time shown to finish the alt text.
5:57
